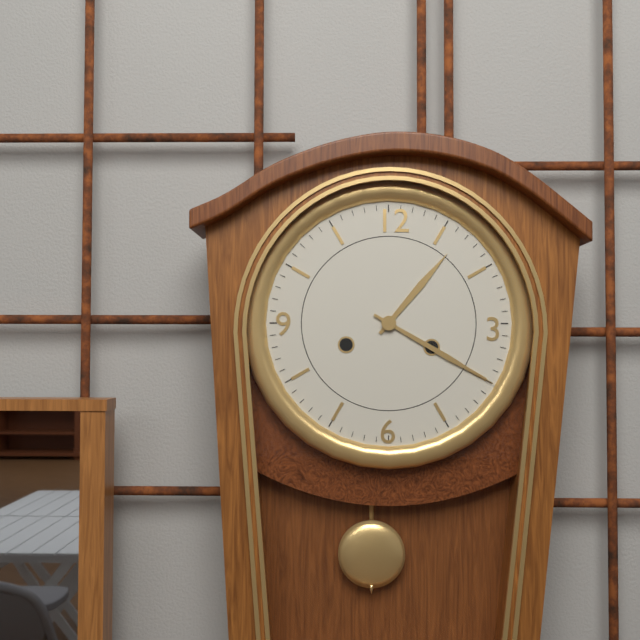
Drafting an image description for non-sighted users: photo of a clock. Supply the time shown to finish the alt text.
1:20
